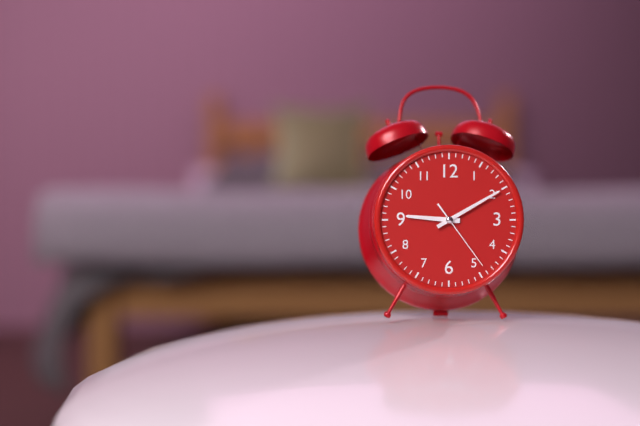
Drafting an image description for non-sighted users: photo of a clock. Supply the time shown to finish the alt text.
9:10:24
